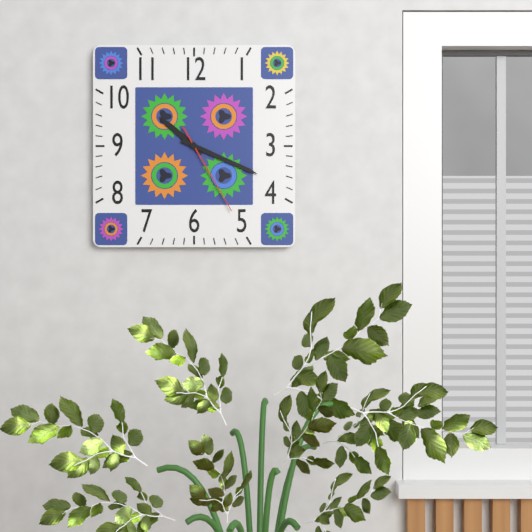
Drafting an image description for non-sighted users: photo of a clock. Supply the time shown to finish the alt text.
10:19:25
